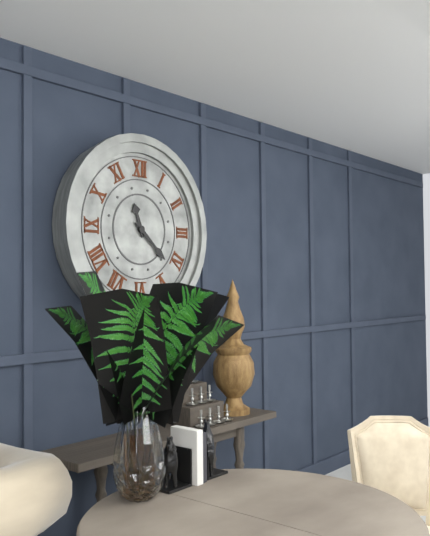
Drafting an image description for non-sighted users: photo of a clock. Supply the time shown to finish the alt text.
11:22
